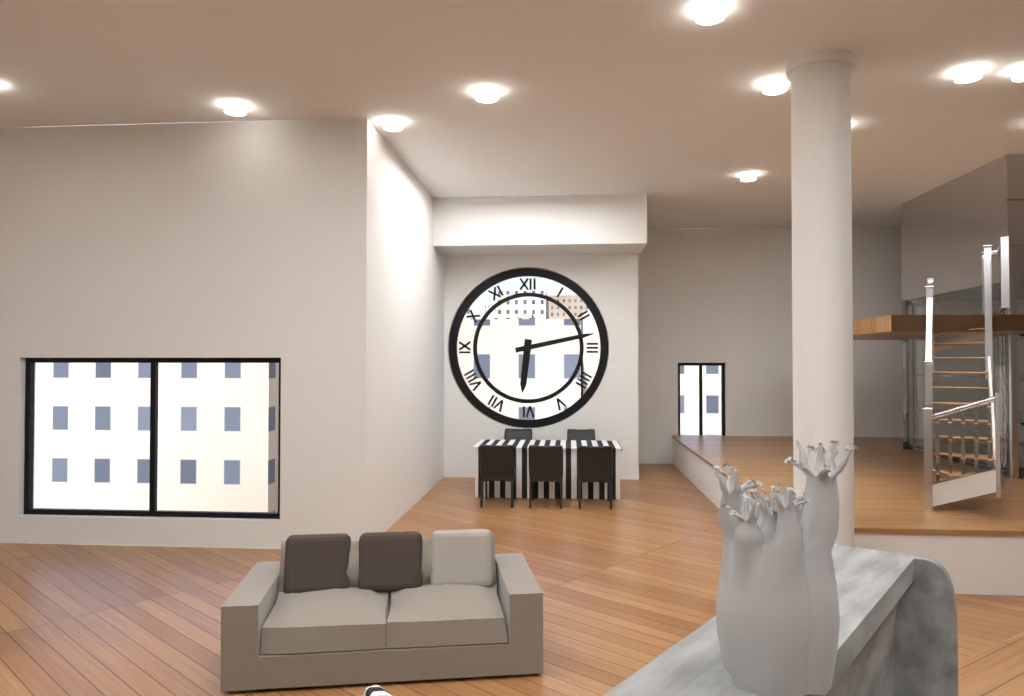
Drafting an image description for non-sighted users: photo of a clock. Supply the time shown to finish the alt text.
6:13
